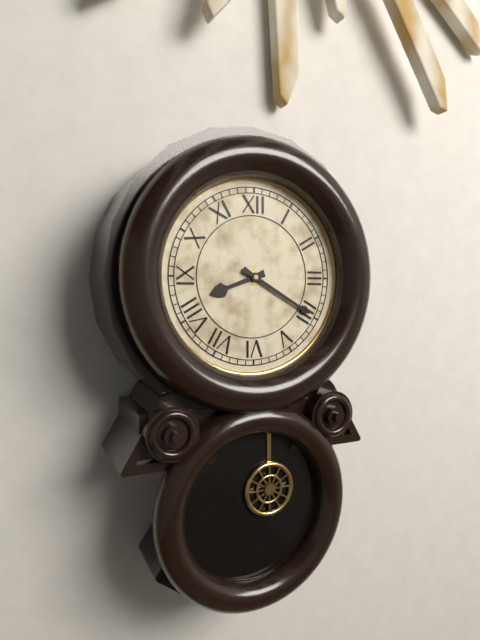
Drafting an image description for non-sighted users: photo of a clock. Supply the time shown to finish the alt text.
8:20
